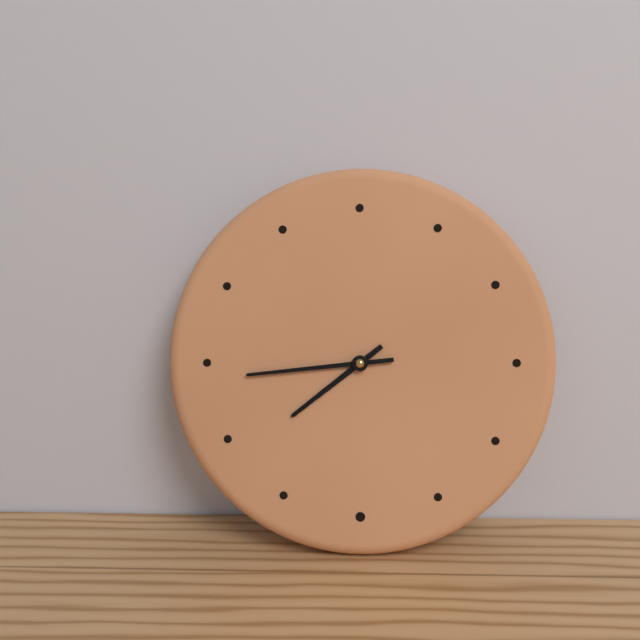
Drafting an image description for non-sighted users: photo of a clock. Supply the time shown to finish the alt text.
7:44
